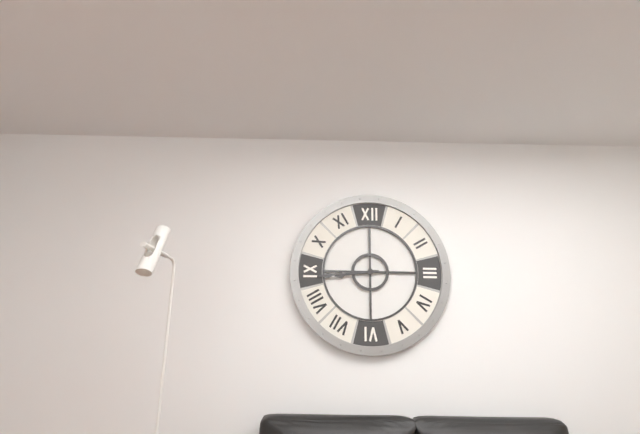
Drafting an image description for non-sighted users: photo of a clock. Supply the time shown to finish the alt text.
8:44
